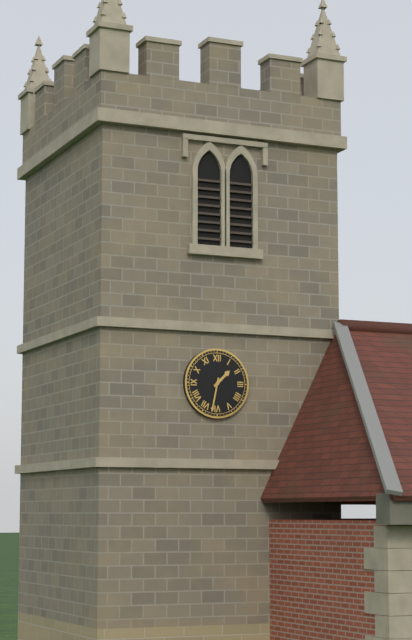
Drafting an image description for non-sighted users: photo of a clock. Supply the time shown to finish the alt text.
1:32
